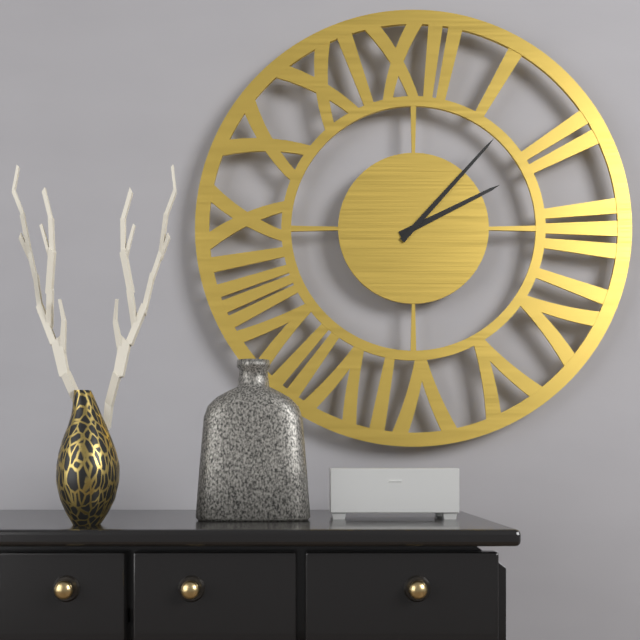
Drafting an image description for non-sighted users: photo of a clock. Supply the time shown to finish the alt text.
2:07
